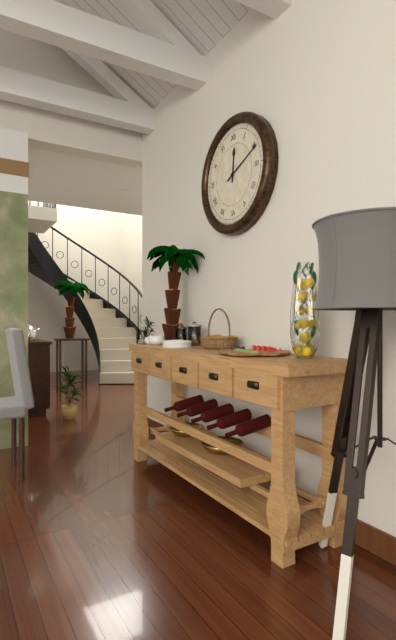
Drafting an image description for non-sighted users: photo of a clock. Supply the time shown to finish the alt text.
12:11
